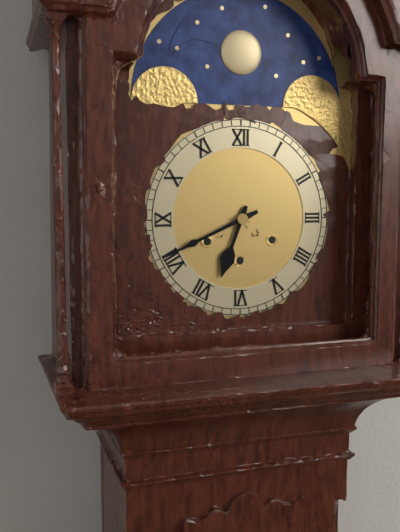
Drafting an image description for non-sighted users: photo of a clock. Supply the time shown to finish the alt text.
6:41
